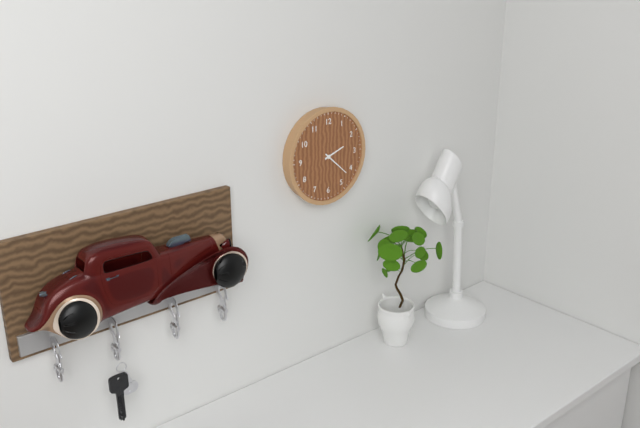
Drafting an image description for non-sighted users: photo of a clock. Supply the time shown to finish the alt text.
2:22
